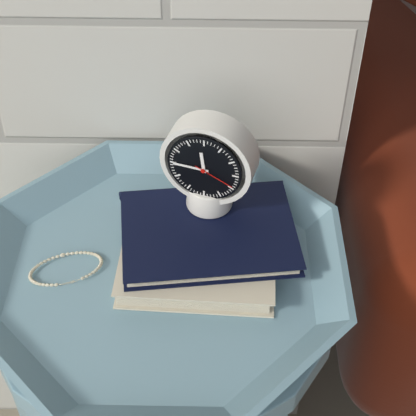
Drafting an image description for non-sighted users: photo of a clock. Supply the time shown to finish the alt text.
11:45
